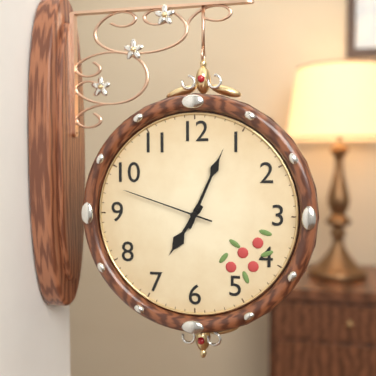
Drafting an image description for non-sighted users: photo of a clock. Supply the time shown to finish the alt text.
7:04:48
